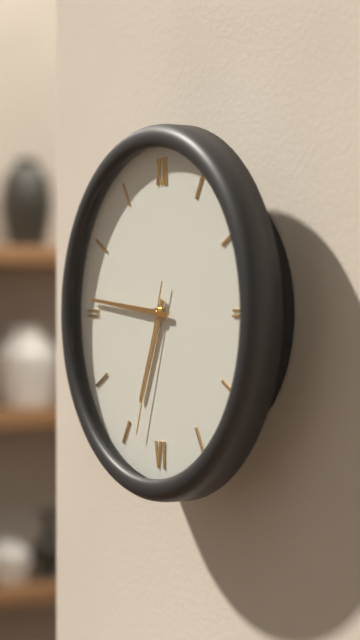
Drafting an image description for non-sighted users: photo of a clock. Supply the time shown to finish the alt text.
6:46:33
